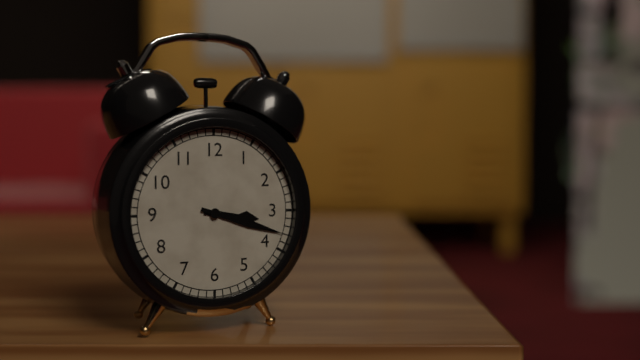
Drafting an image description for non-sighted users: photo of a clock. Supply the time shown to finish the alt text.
3:18
